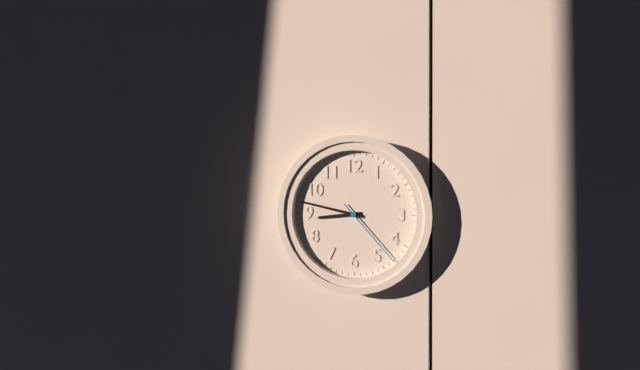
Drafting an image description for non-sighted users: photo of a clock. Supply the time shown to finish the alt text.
8:47:23
